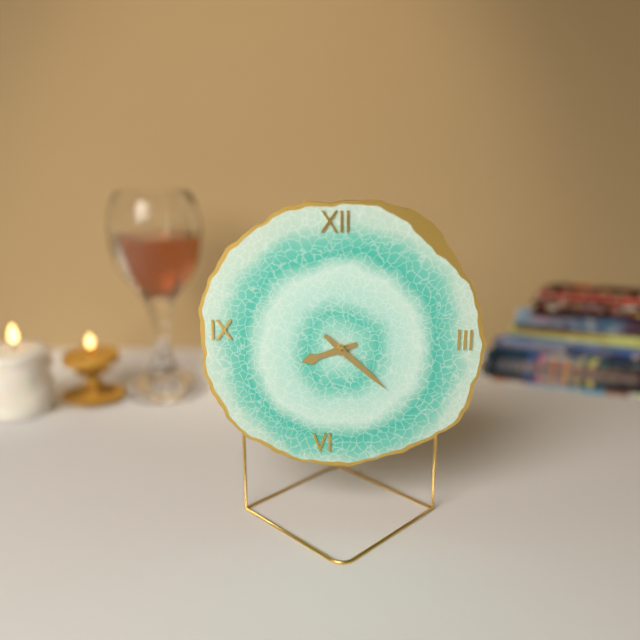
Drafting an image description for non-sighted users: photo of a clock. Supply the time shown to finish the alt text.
8:22
